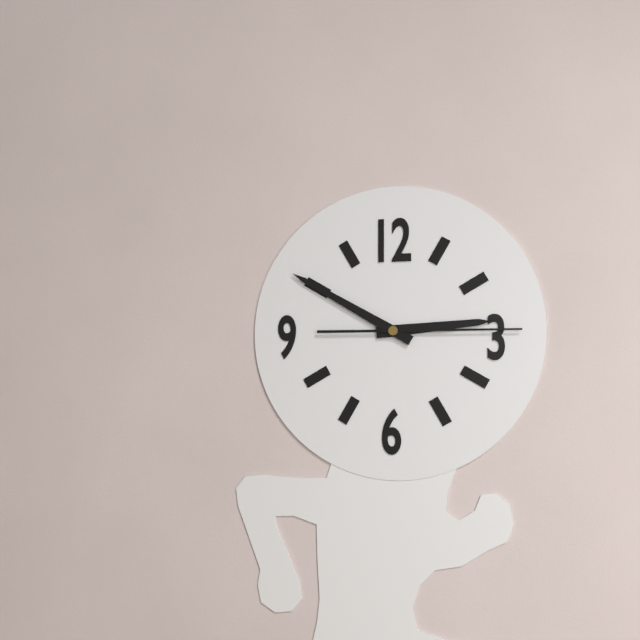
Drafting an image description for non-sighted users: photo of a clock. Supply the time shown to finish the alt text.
2:50:15
